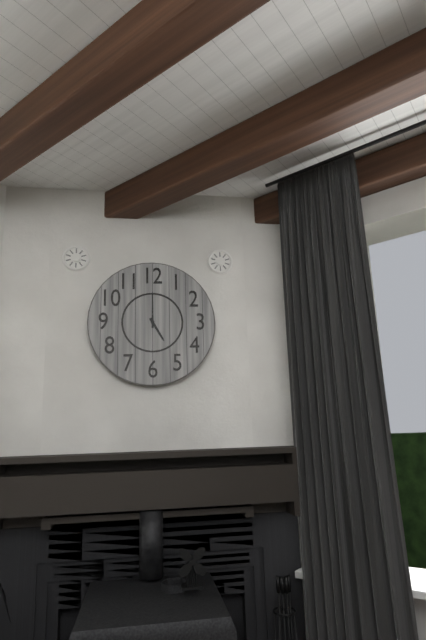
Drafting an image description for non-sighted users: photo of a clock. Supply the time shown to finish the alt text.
5:00
